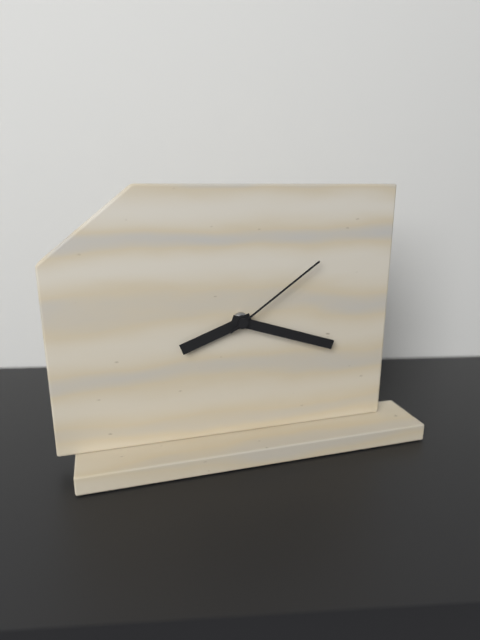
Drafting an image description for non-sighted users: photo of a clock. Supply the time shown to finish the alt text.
8:18:09
